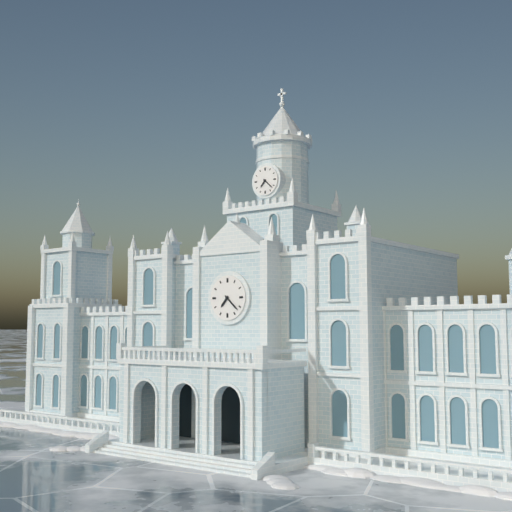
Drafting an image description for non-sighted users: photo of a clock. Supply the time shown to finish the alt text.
7:22
